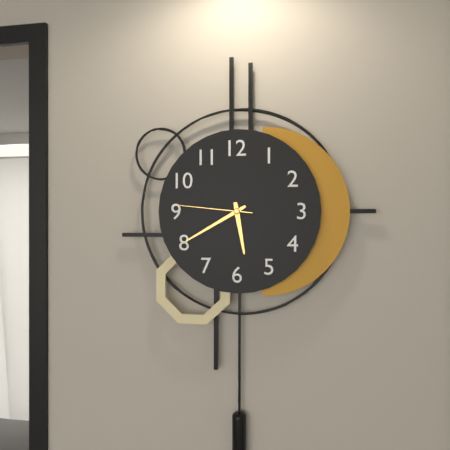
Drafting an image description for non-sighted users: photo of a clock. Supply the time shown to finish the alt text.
5:40:46
